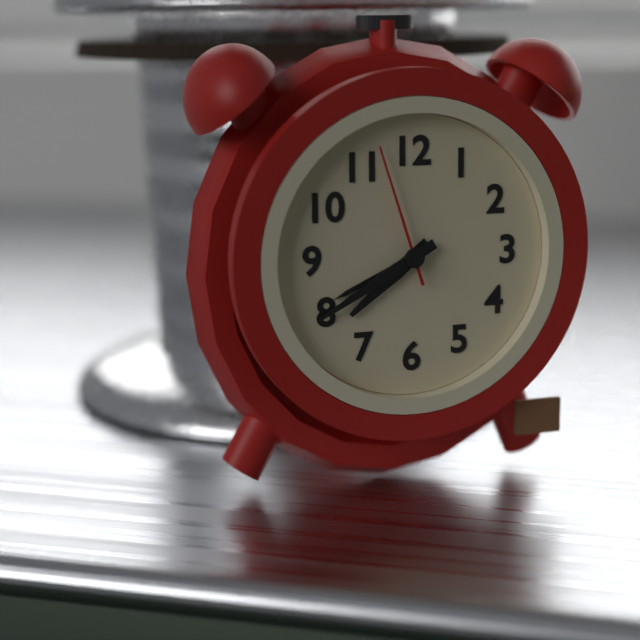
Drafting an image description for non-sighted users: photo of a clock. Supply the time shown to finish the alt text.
7:40:57
